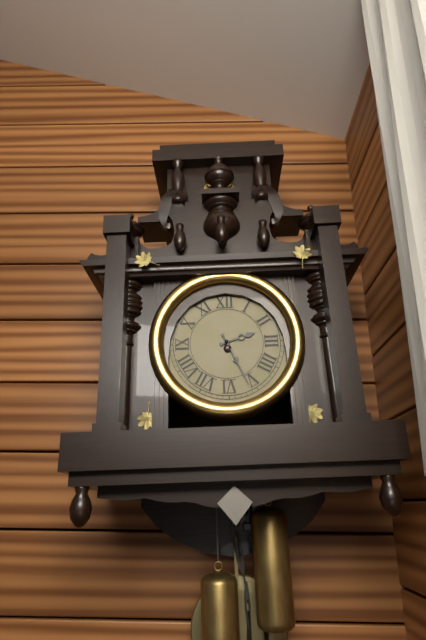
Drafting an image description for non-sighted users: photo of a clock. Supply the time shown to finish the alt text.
2:26
